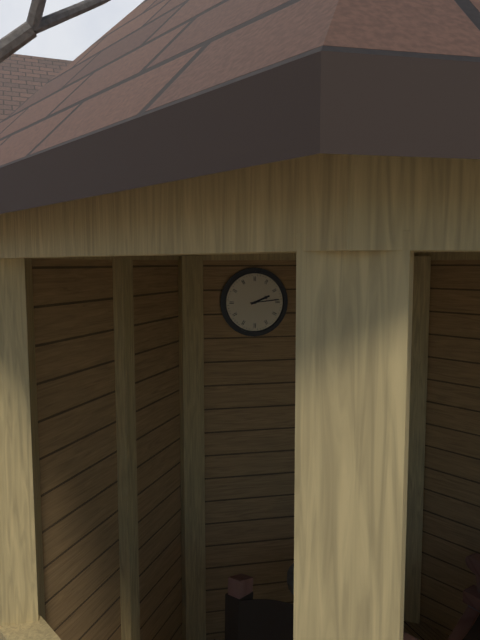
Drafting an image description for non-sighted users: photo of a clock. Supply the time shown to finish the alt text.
2:14
